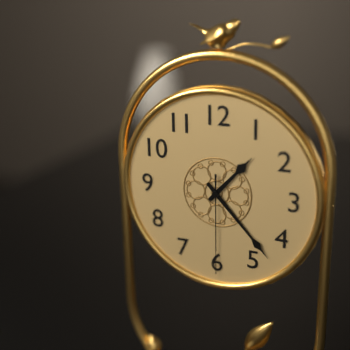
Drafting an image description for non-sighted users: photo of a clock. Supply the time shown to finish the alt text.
1:23:30
